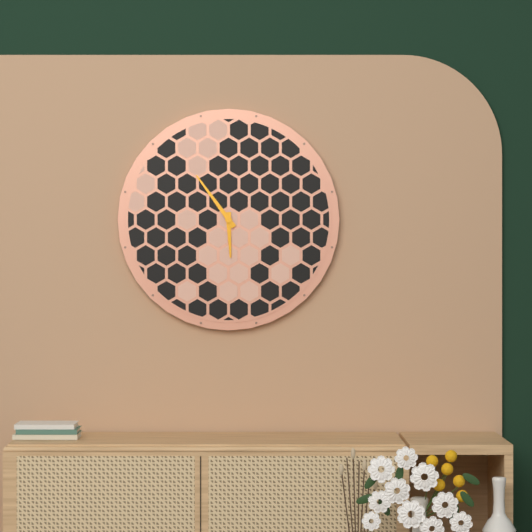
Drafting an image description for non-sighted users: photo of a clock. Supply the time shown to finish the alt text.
5:54
